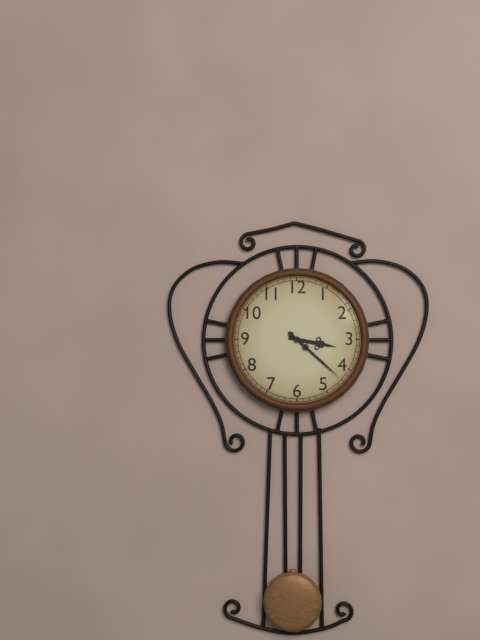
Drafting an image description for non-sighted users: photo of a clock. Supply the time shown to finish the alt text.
3:22
